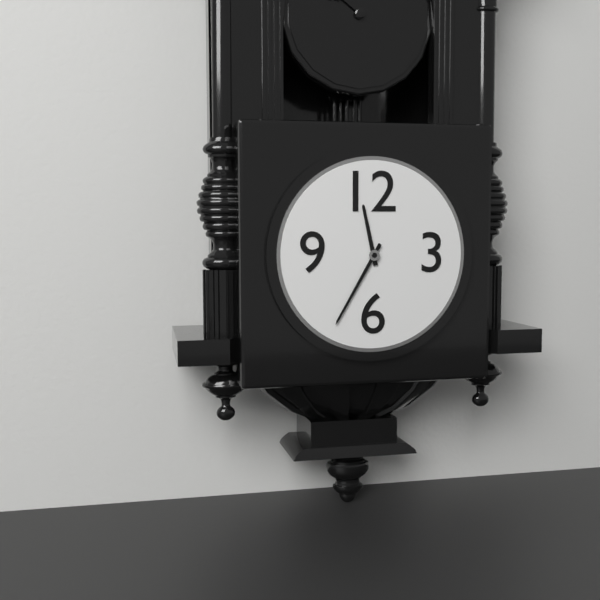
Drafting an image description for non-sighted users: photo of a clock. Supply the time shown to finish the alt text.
11:35
